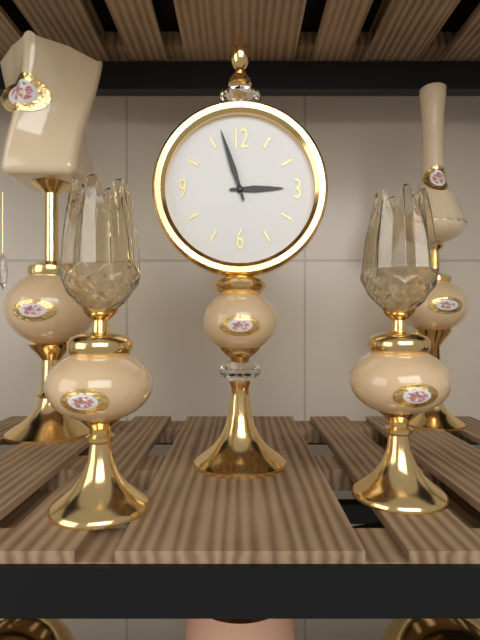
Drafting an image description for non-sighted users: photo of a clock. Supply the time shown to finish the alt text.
2:57
